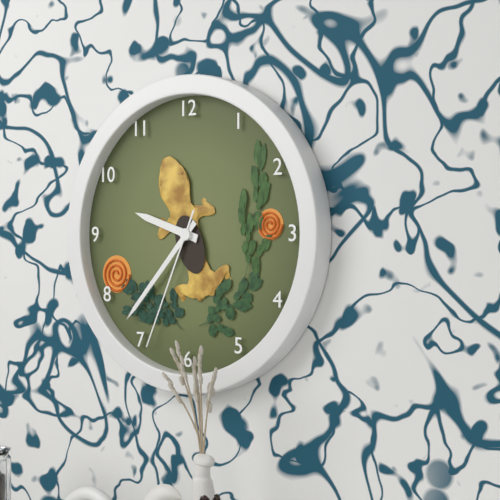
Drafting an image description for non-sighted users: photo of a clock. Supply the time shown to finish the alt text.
9:37:34
